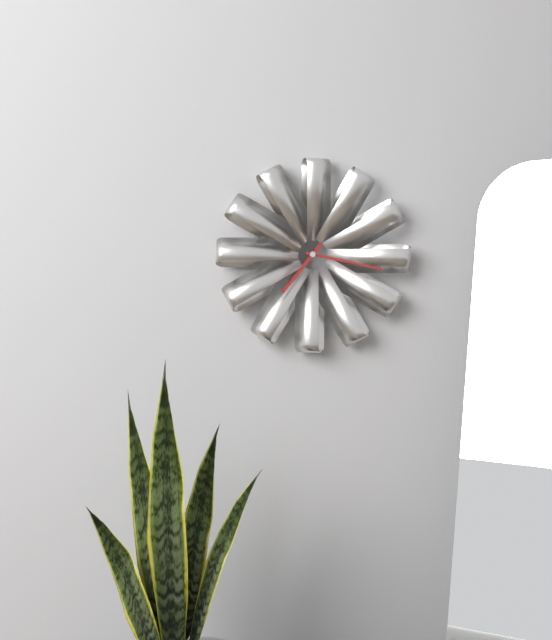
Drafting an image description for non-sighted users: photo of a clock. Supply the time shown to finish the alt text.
7:17
